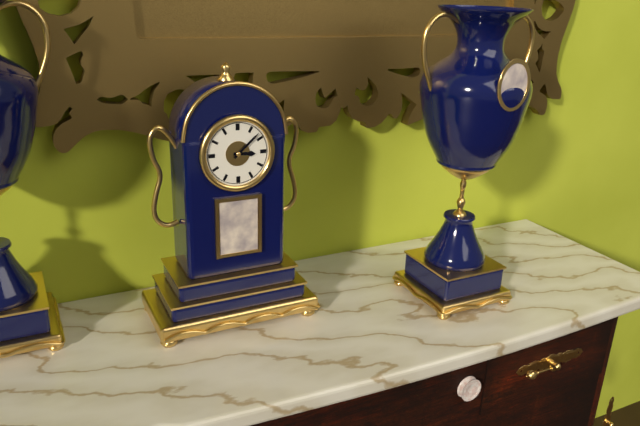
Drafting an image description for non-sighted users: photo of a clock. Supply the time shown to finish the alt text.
3:08
